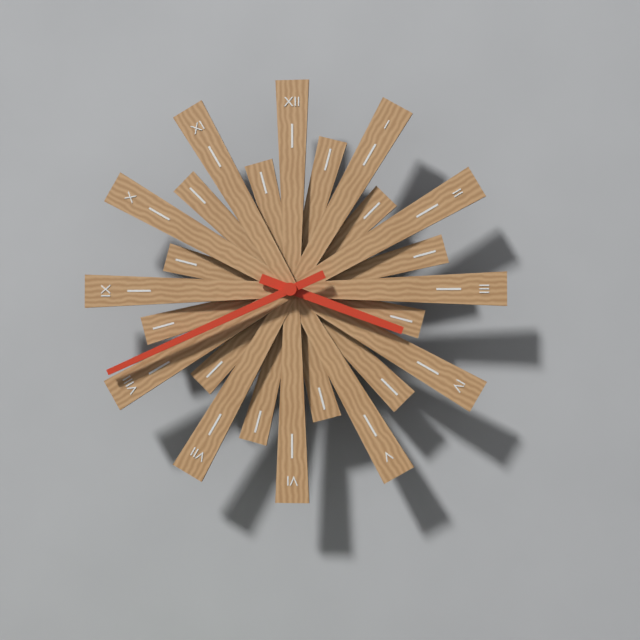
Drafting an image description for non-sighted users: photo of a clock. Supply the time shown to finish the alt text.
3:41
